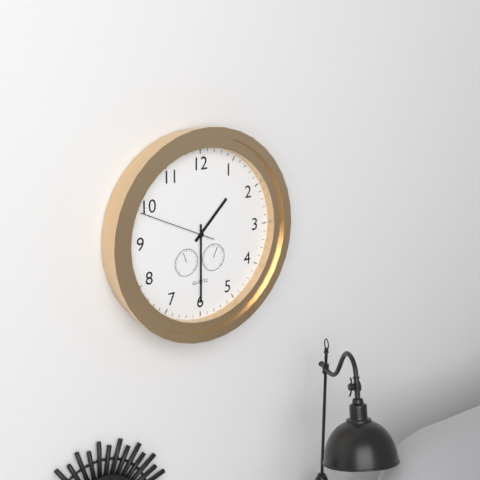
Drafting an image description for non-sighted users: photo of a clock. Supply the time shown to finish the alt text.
1:30:49
